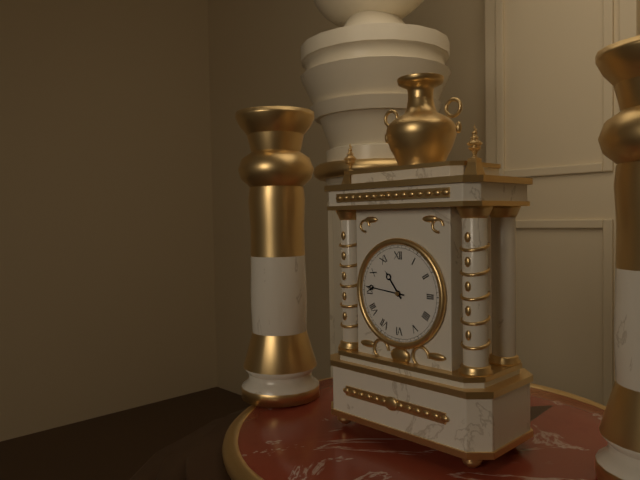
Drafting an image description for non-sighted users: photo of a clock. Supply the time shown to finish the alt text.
10:46
